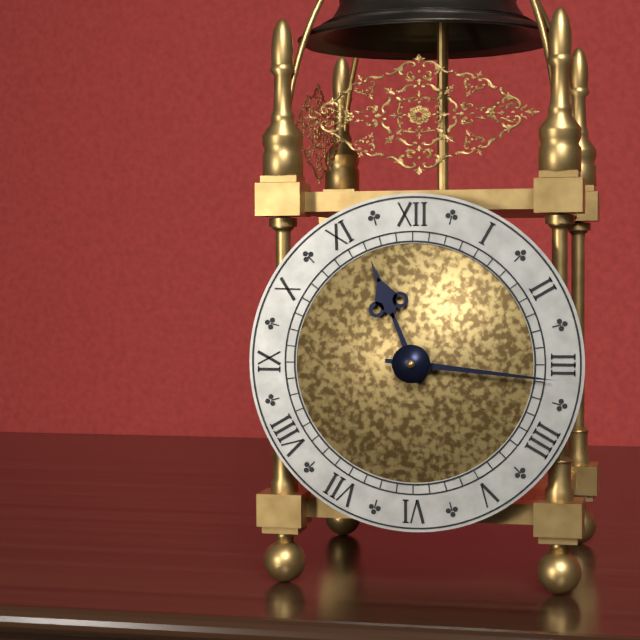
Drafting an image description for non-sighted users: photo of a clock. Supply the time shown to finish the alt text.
11:16
